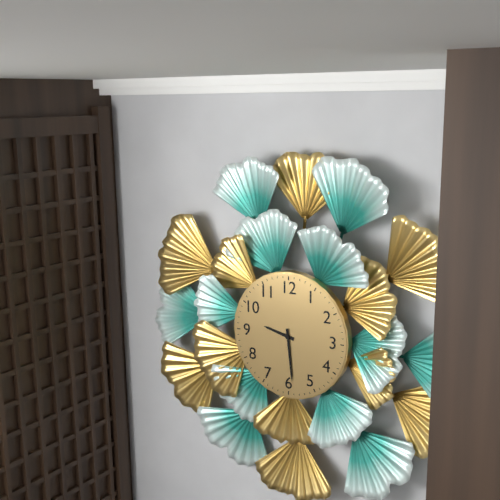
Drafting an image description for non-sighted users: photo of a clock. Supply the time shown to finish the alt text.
9:29
